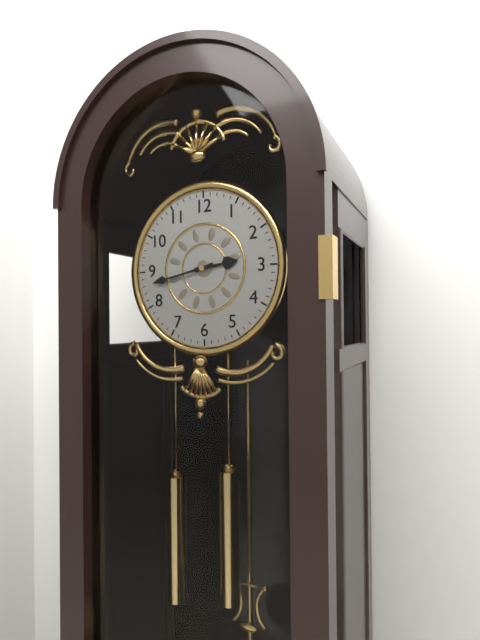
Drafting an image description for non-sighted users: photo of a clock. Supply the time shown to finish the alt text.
2:43
